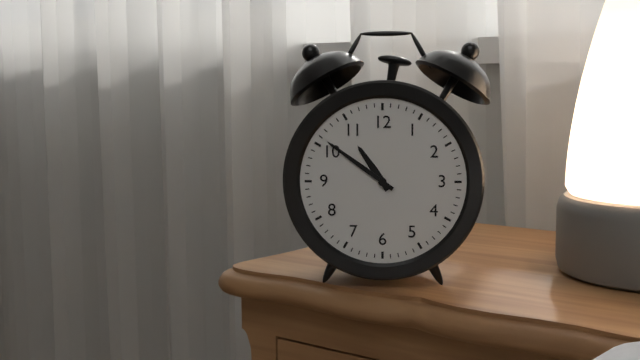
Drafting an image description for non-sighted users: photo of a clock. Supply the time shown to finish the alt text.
10:51
